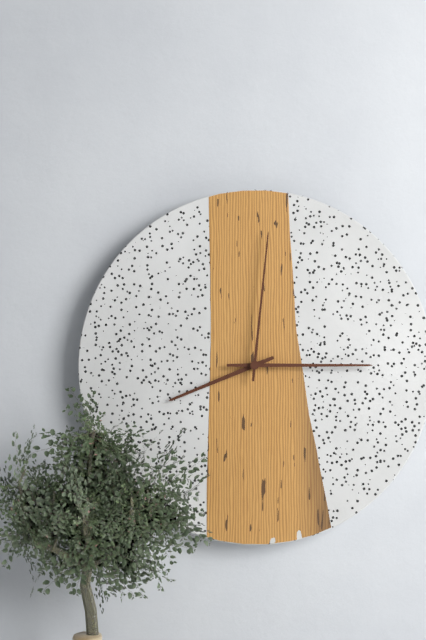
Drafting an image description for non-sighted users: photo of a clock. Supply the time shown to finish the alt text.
8:15:01
